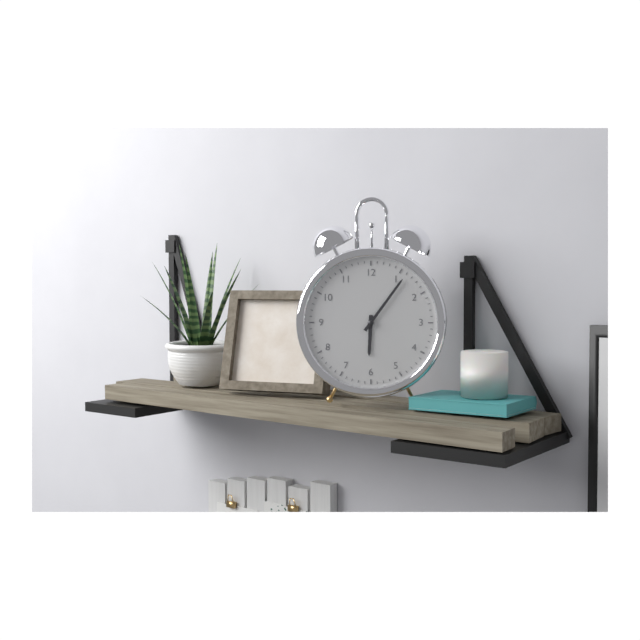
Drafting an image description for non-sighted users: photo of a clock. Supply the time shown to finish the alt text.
6:06
